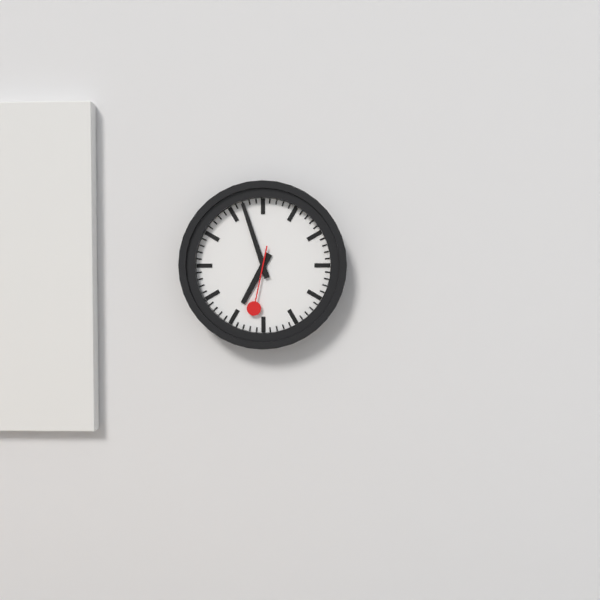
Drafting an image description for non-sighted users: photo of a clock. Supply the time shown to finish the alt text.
6:57:32
